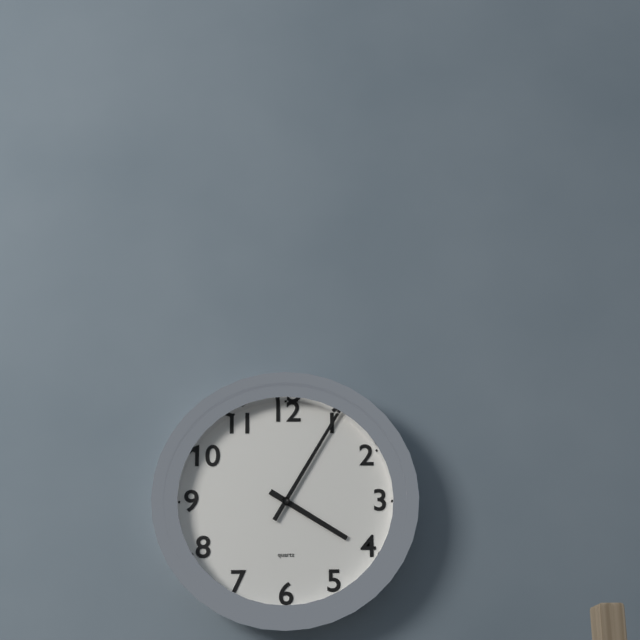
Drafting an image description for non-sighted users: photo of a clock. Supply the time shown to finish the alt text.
4:05
